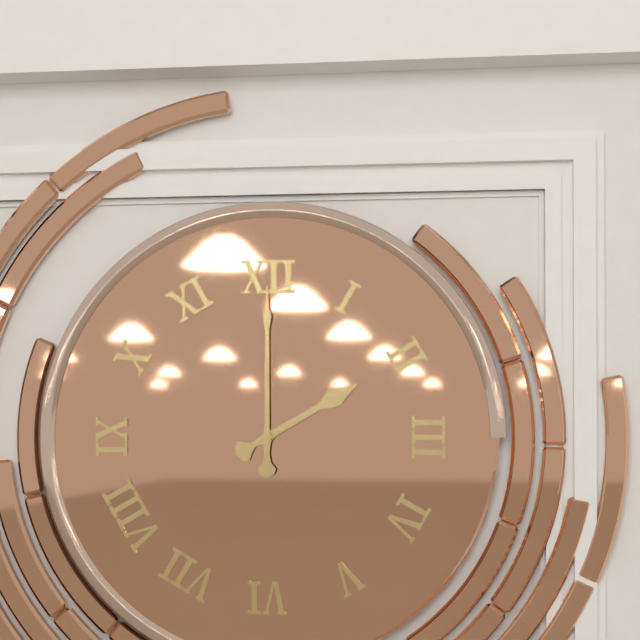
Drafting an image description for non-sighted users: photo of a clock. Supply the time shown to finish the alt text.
2:00
